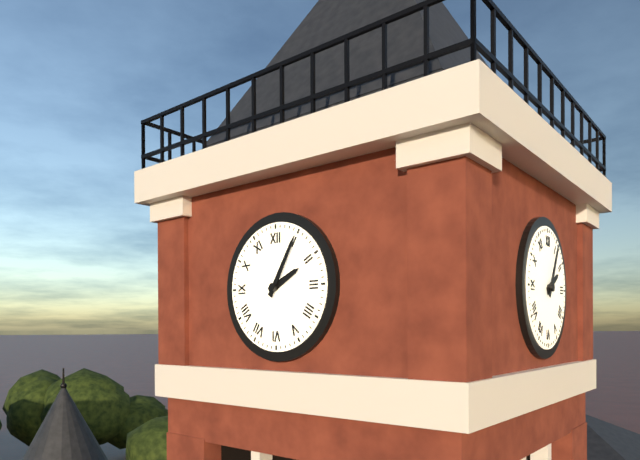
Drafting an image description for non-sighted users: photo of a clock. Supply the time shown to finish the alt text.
2:05
